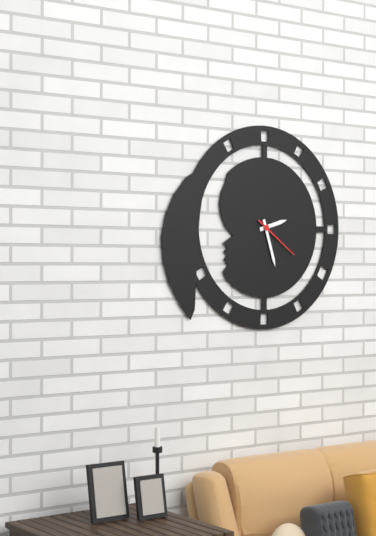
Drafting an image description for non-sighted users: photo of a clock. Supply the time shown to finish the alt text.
2:27
